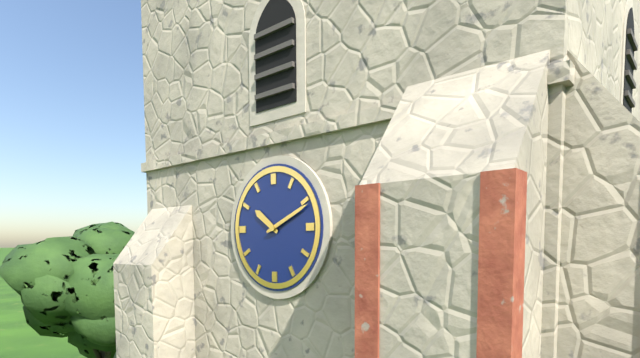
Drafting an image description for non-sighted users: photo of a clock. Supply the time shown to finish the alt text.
10:11
